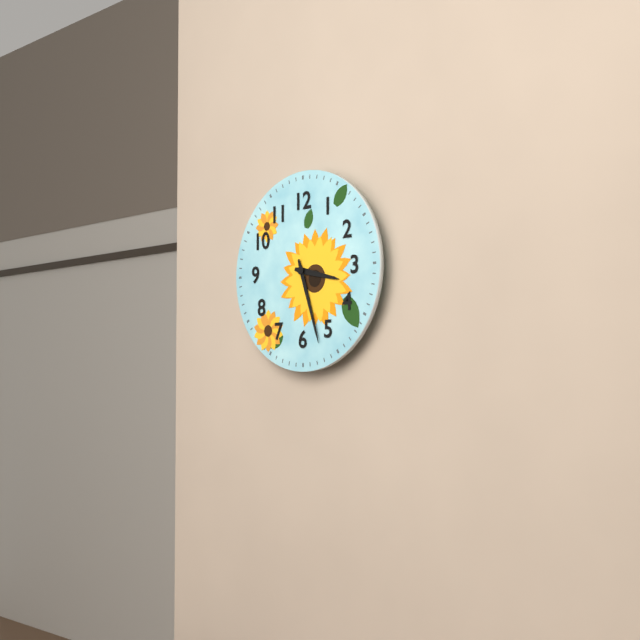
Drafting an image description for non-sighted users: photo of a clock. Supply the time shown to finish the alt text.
3:27
